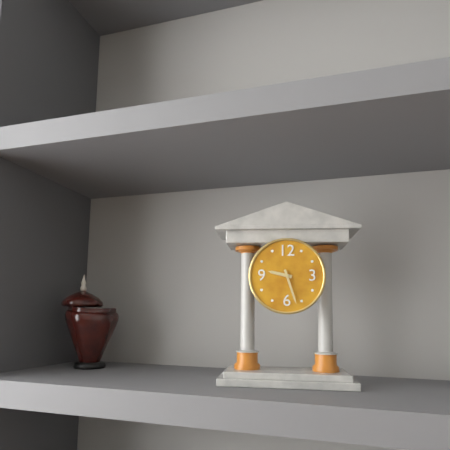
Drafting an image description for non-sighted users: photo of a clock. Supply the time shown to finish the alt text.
9:27
